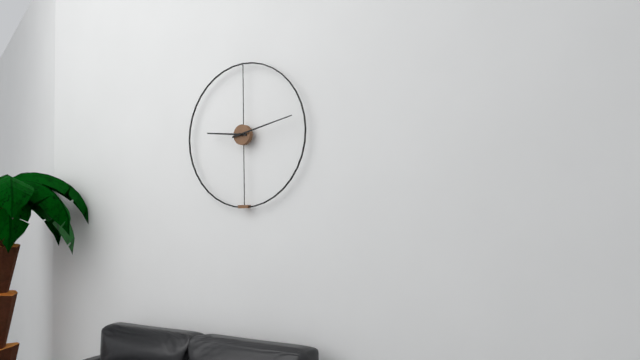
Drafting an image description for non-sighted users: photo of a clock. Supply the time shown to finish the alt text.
9:13
